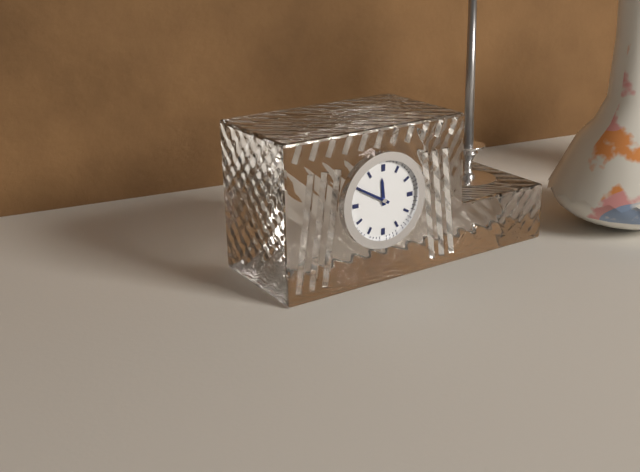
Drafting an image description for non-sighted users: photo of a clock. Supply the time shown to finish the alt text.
11:50
